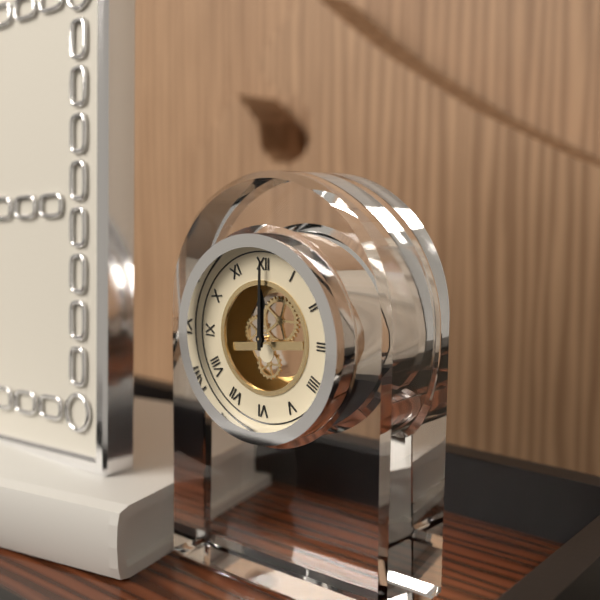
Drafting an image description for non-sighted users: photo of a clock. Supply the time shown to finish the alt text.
12:00
